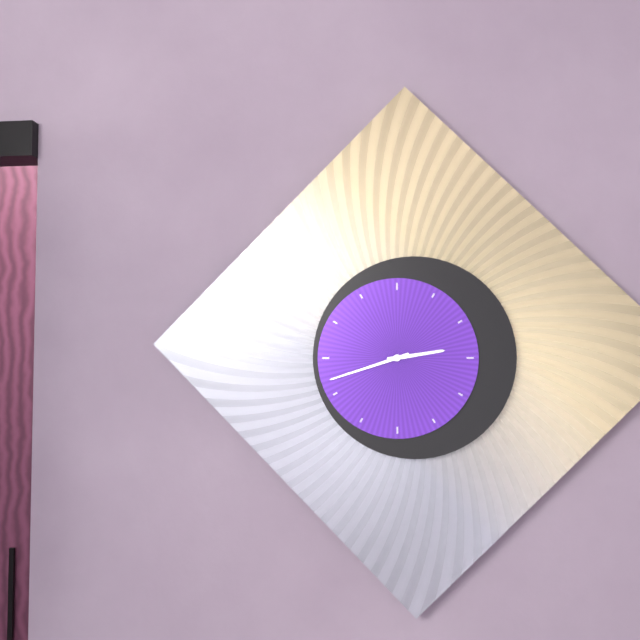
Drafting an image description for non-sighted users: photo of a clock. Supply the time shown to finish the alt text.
2:42
